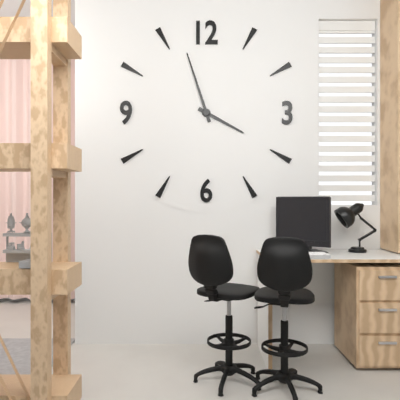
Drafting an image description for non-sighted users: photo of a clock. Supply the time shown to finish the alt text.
3:57
